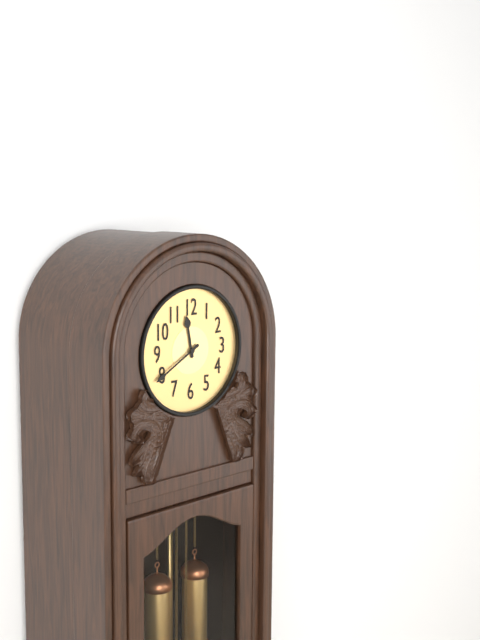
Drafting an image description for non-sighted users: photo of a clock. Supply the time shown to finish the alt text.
11:40
